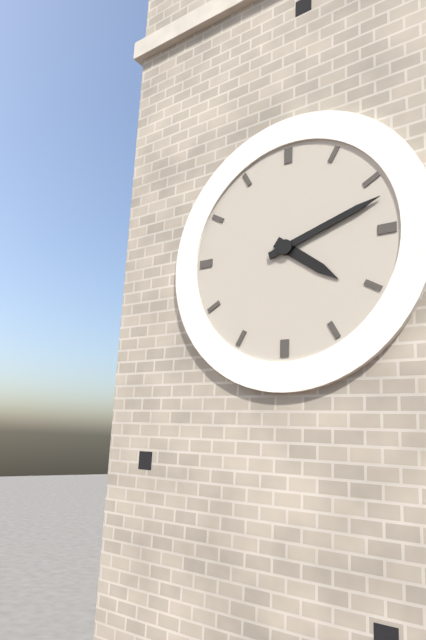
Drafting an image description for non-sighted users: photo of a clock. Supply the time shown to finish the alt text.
4:12
